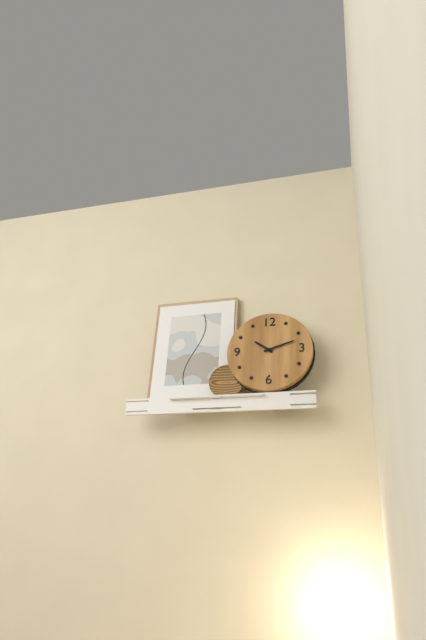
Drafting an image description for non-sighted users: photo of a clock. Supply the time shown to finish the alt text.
10:12
